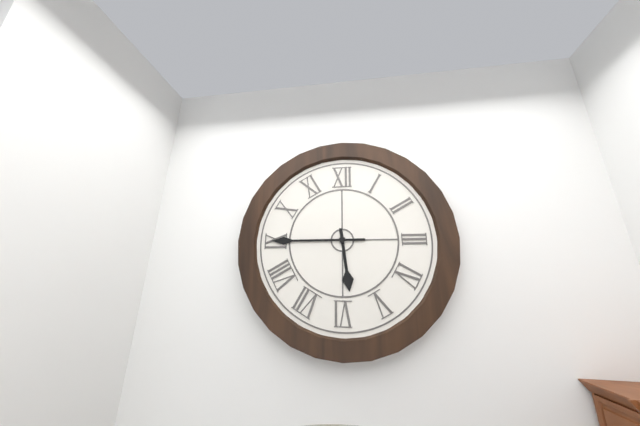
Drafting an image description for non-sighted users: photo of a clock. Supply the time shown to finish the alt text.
5:45
